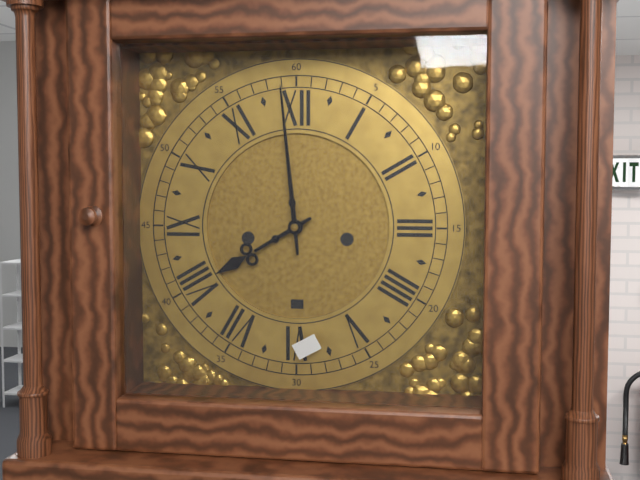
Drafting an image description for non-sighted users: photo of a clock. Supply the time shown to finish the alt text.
7:59
